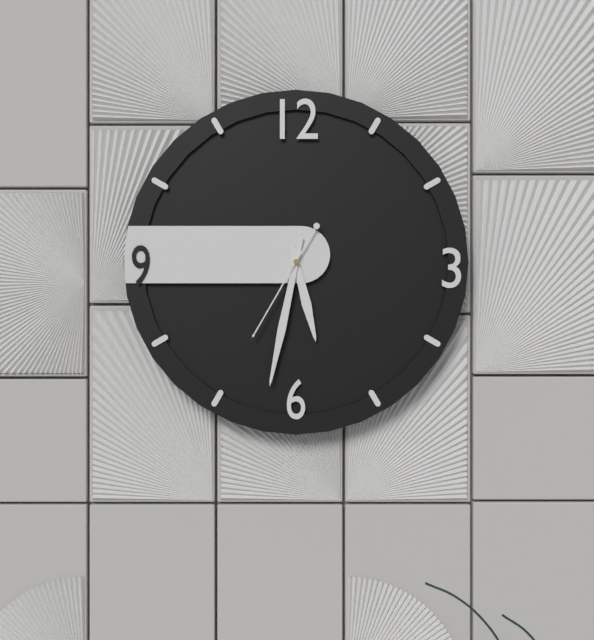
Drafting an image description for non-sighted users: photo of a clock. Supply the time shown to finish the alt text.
5:32:35
